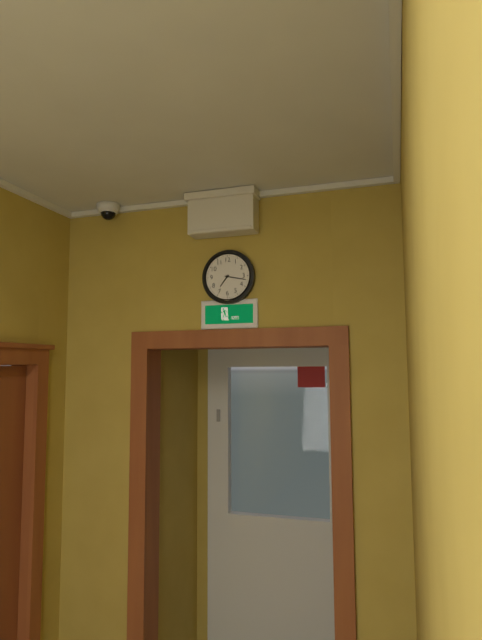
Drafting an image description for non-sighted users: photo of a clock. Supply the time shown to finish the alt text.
7:17
